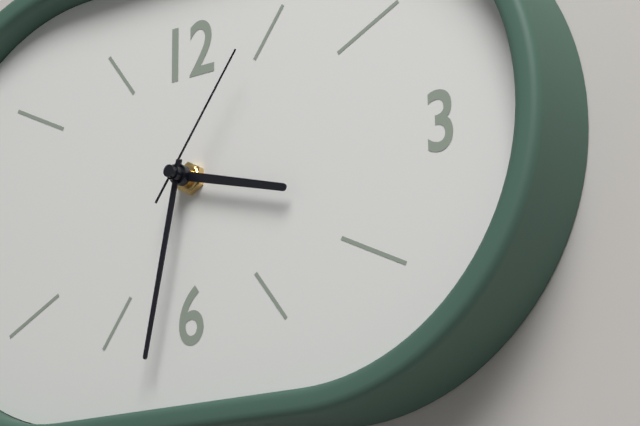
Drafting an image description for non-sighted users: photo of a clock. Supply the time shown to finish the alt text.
3:32:06
